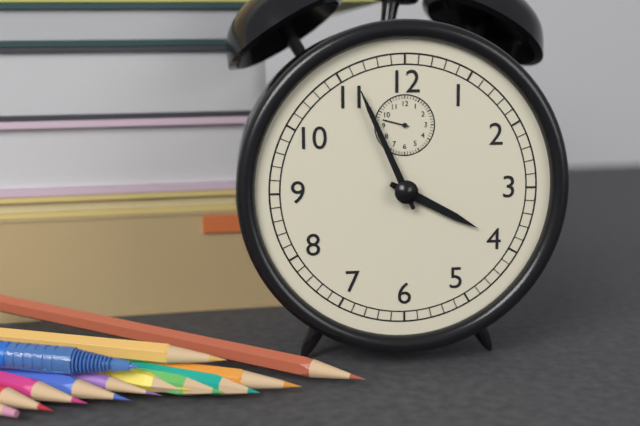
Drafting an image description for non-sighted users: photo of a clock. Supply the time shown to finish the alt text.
3:56
